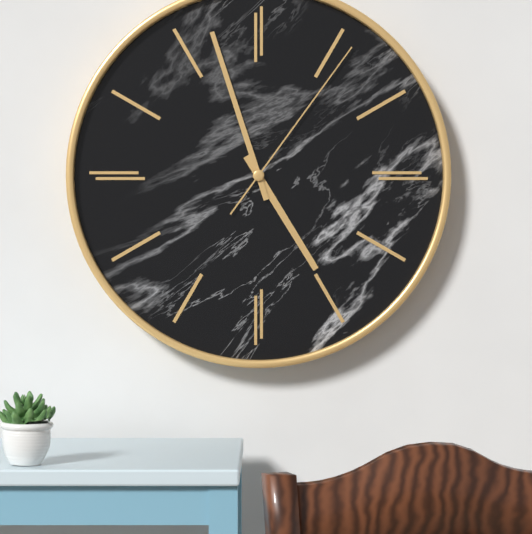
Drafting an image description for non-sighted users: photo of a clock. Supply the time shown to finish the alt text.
4:57:06
